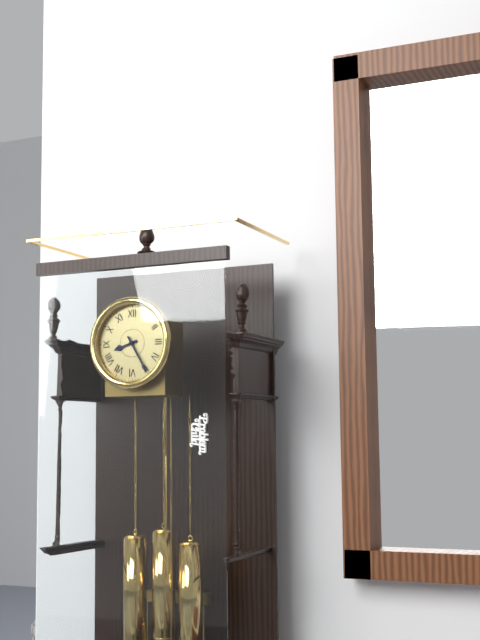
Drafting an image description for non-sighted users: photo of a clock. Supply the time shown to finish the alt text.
8:25
